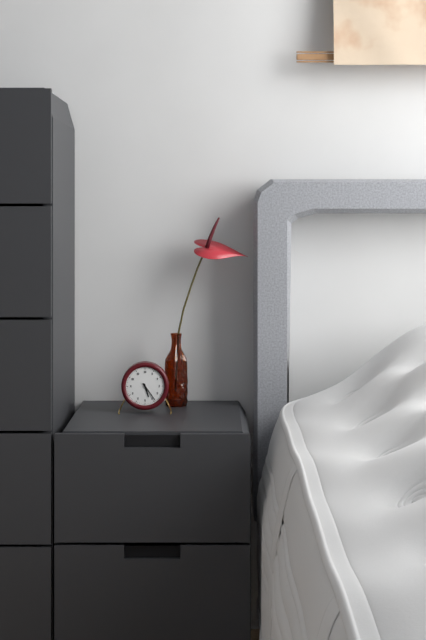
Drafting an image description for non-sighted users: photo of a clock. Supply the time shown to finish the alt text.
5:24
